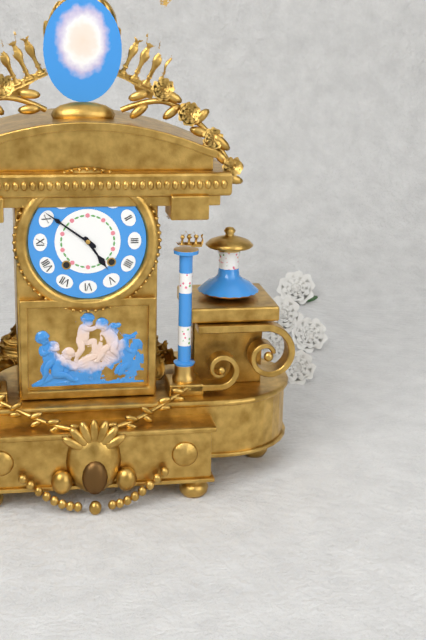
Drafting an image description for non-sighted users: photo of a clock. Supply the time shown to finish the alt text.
4:51
